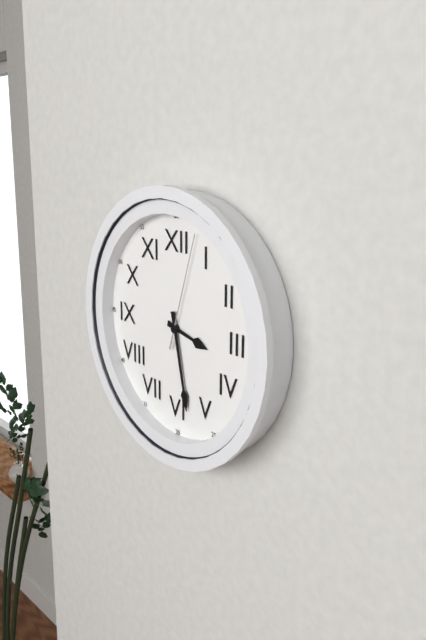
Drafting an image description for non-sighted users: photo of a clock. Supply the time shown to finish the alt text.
3:28:03
